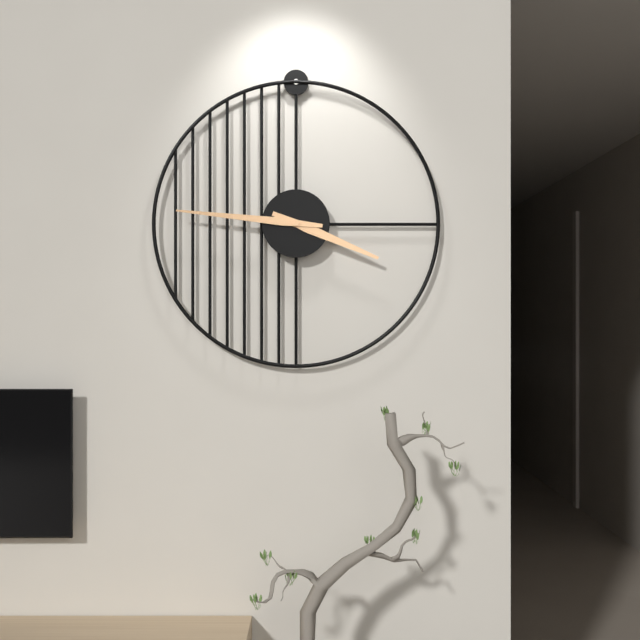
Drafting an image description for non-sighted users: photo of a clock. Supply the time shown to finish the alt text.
3:46
